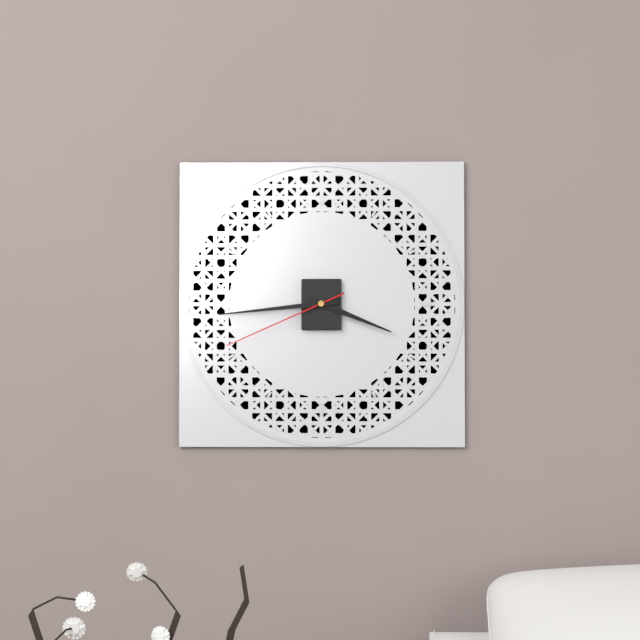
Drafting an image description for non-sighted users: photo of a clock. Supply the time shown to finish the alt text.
3:44:41
